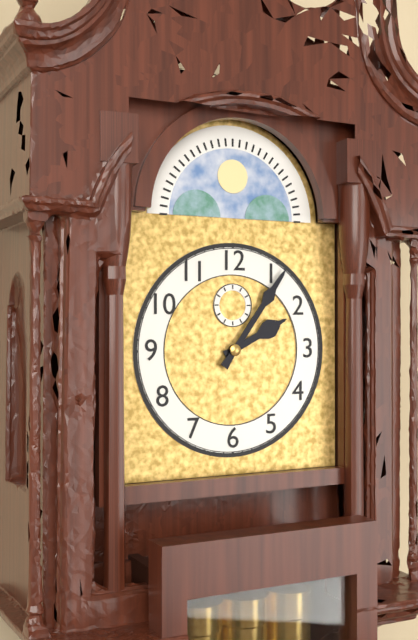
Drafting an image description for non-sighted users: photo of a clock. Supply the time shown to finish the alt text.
2:06
